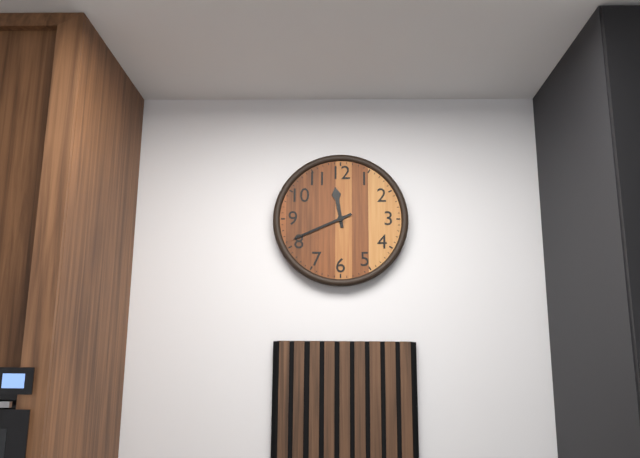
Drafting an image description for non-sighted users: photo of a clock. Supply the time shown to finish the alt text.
11:41
